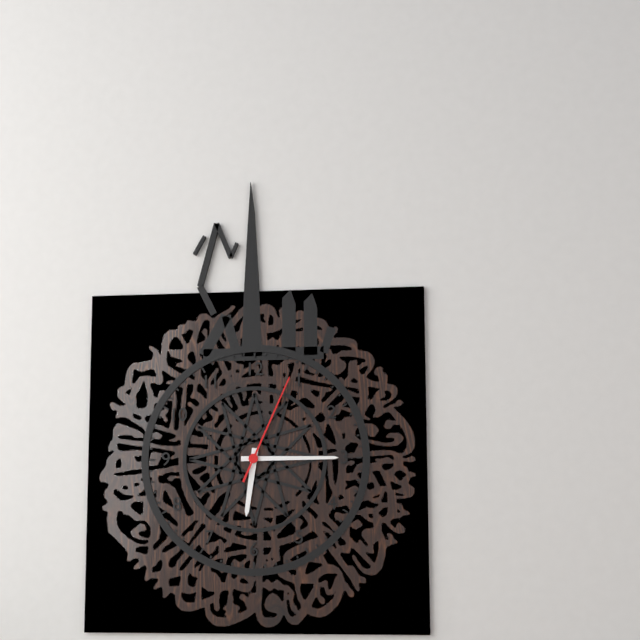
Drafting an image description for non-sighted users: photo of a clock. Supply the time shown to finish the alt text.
6:15:04
